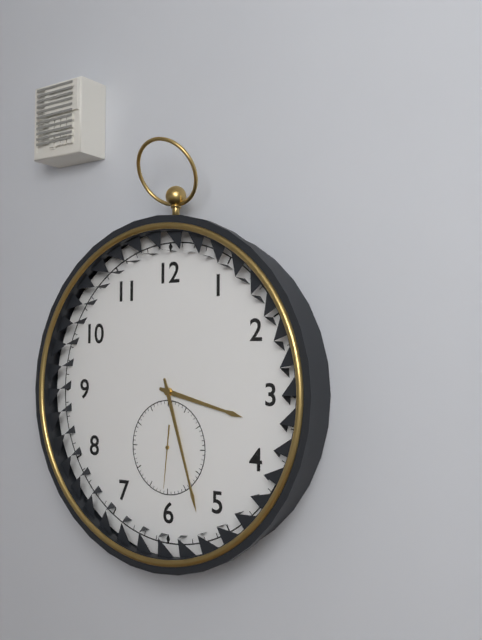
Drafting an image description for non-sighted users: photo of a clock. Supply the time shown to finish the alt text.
3:27:31
